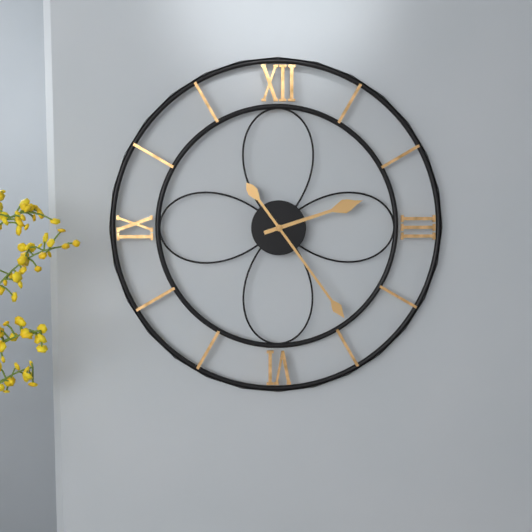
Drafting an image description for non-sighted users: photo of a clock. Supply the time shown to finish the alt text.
2:24
